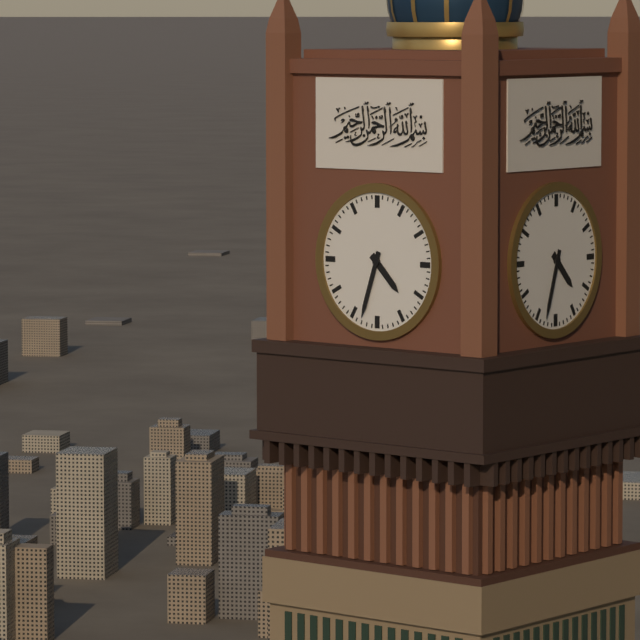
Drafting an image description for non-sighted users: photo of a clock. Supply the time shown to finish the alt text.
4:33
